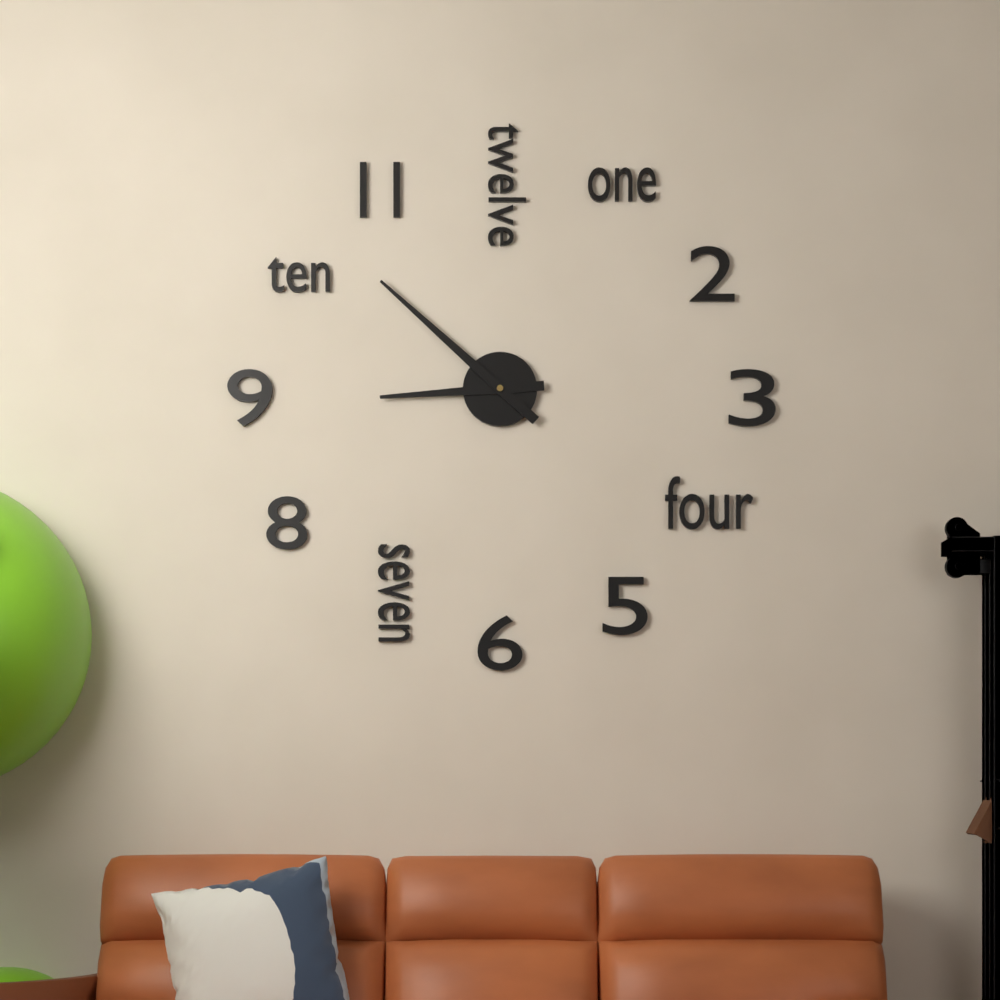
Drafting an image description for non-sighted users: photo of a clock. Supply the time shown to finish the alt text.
8:52
